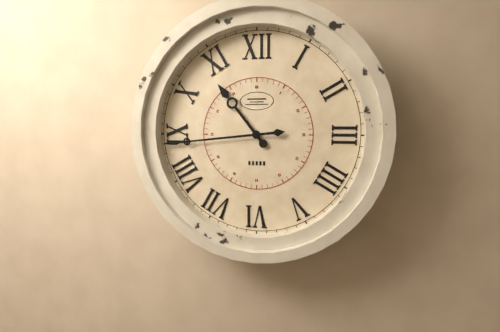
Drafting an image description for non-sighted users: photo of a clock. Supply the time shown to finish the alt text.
10:44
